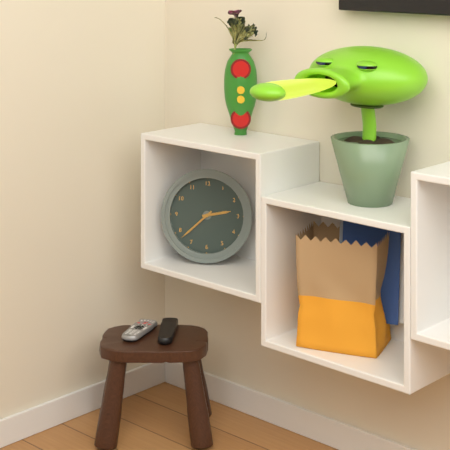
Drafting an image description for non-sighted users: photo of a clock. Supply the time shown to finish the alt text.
2:38
